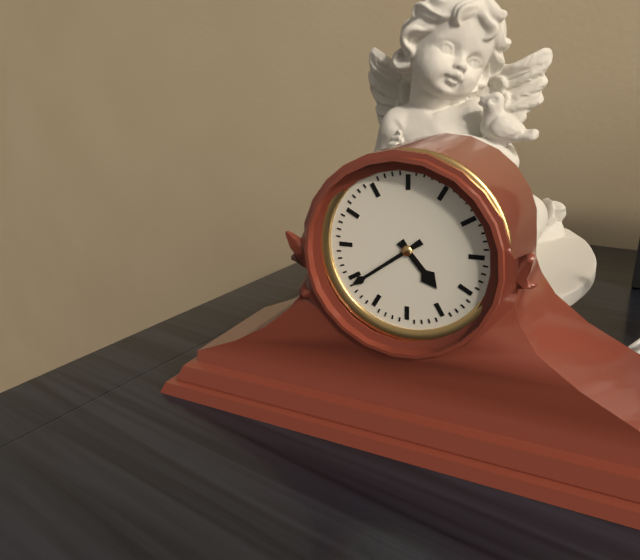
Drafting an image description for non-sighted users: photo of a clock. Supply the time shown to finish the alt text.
4:39
